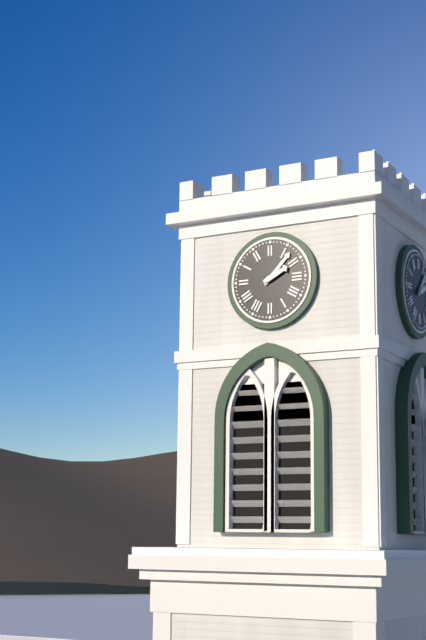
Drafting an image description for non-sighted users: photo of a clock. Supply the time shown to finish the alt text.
2:07
